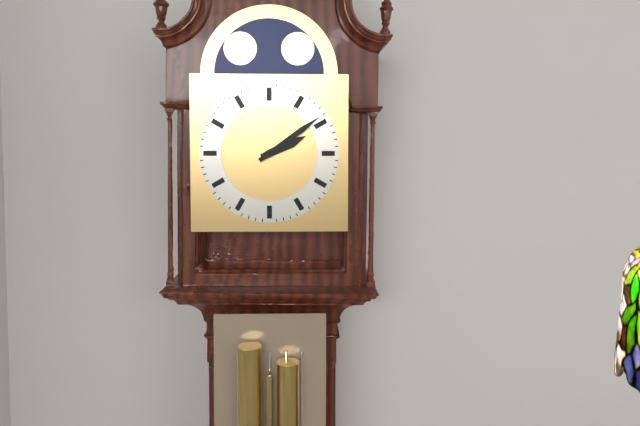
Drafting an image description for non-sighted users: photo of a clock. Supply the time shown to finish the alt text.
2:09
